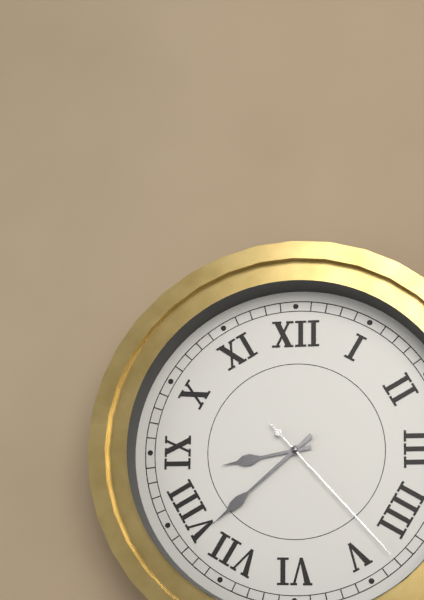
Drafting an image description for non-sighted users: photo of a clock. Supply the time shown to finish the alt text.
8:38:23
